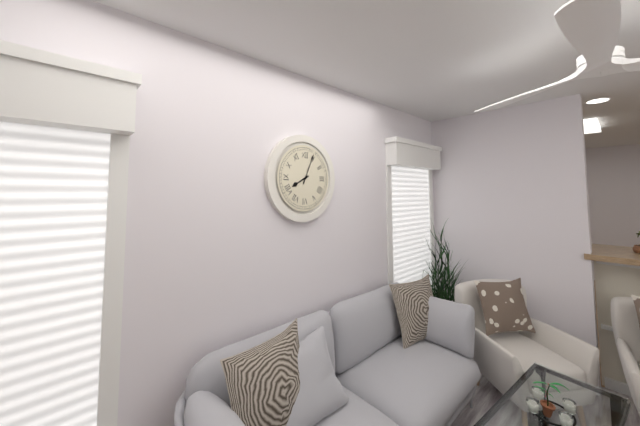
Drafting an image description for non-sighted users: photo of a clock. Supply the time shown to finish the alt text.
8:04
